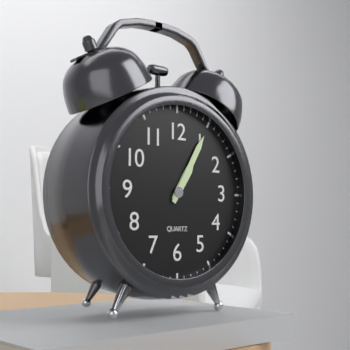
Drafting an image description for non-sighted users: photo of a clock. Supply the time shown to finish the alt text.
1:05
